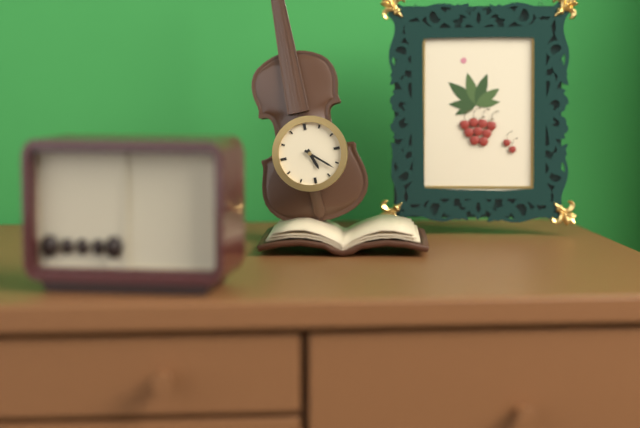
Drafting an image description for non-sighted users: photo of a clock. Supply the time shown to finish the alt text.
5:22
